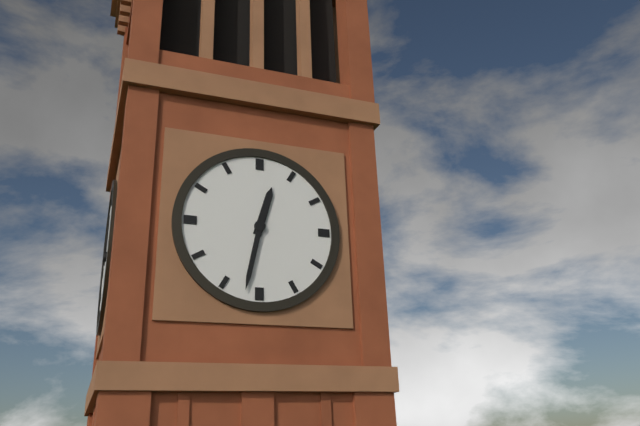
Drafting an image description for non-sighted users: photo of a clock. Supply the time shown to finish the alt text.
12:32
